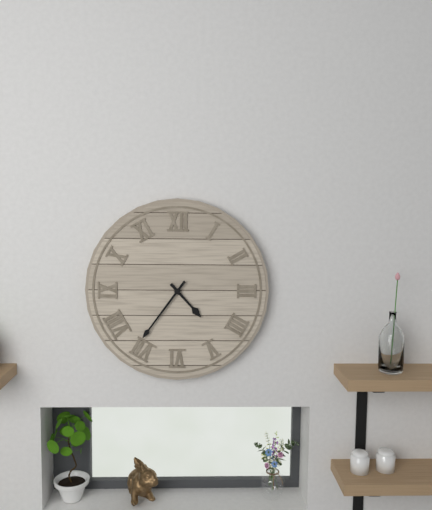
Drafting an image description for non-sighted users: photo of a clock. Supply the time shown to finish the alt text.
4:36
